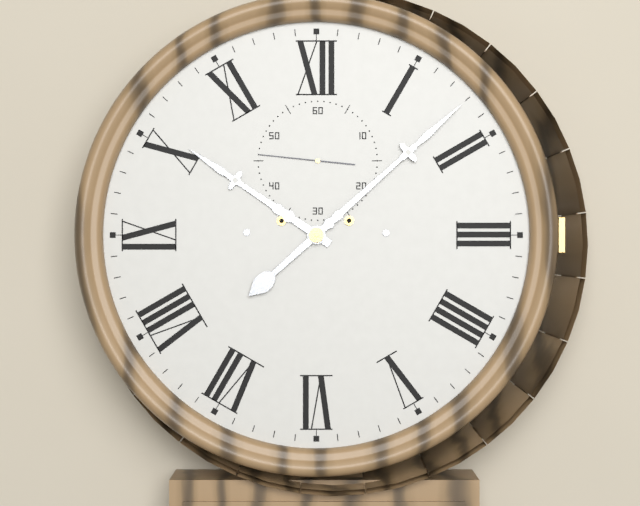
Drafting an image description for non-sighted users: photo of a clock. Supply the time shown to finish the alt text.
10:08:46
